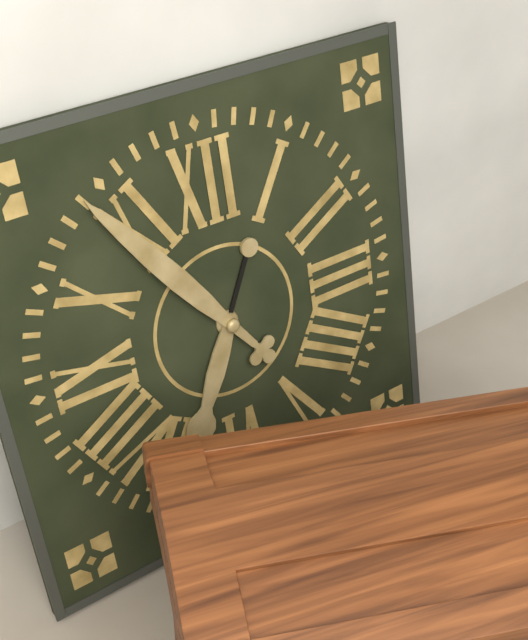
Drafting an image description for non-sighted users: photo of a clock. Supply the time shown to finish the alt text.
6:54
